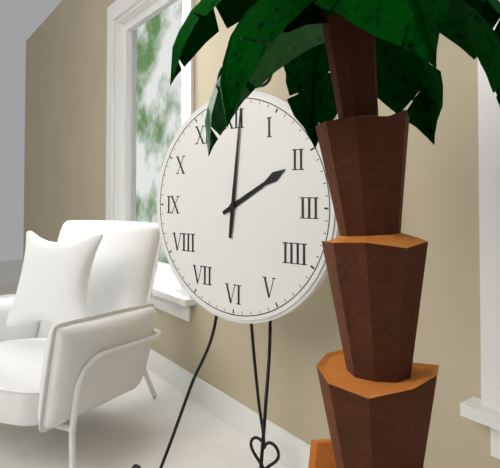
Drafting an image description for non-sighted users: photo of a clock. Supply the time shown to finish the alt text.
2:01
